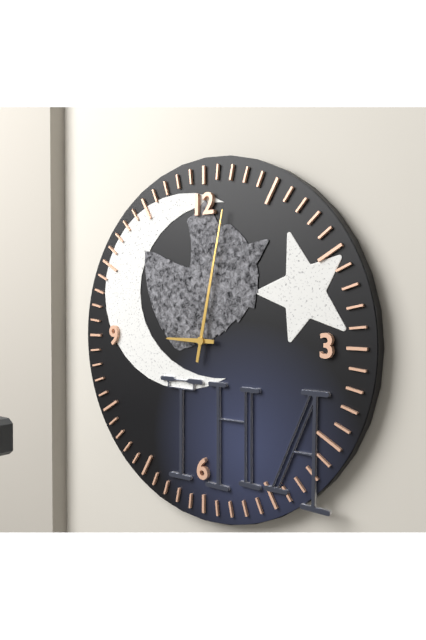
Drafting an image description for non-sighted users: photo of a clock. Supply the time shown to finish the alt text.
9:02
